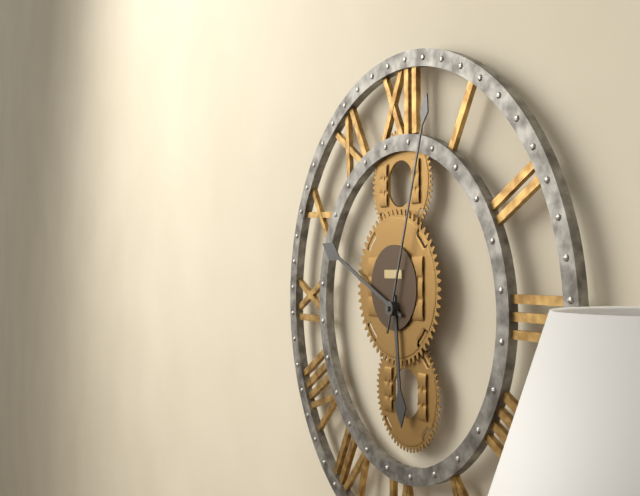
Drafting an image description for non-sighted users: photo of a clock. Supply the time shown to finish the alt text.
5:49:03
